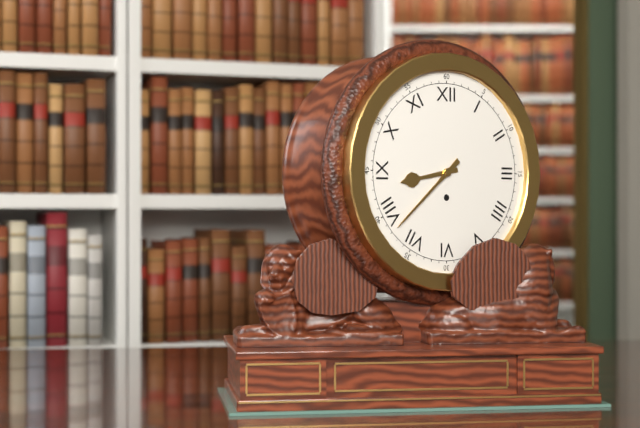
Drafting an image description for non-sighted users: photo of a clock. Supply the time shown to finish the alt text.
8:38
